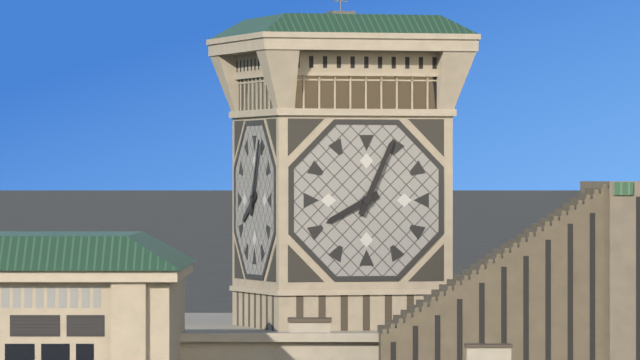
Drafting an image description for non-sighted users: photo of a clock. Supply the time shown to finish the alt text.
8:04
